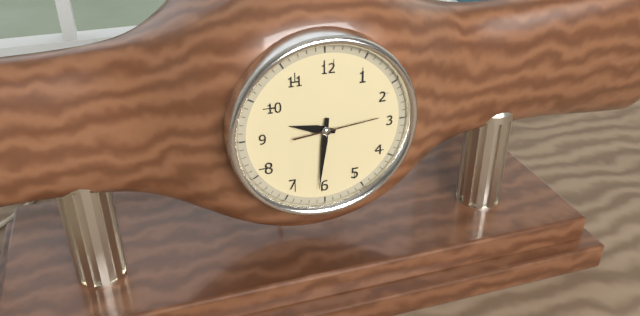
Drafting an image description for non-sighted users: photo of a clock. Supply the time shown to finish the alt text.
9:31:14
